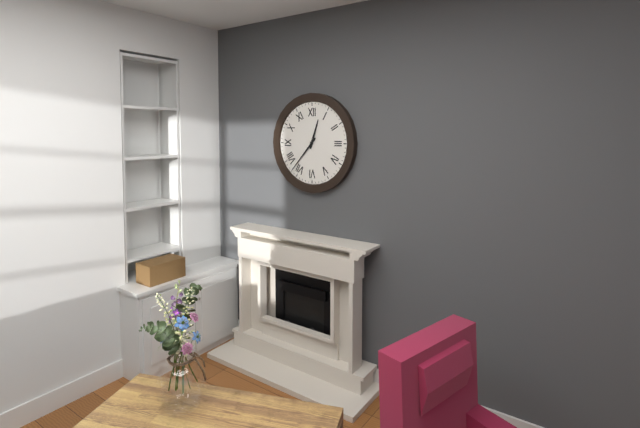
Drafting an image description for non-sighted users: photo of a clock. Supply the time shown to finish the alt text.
12:37
